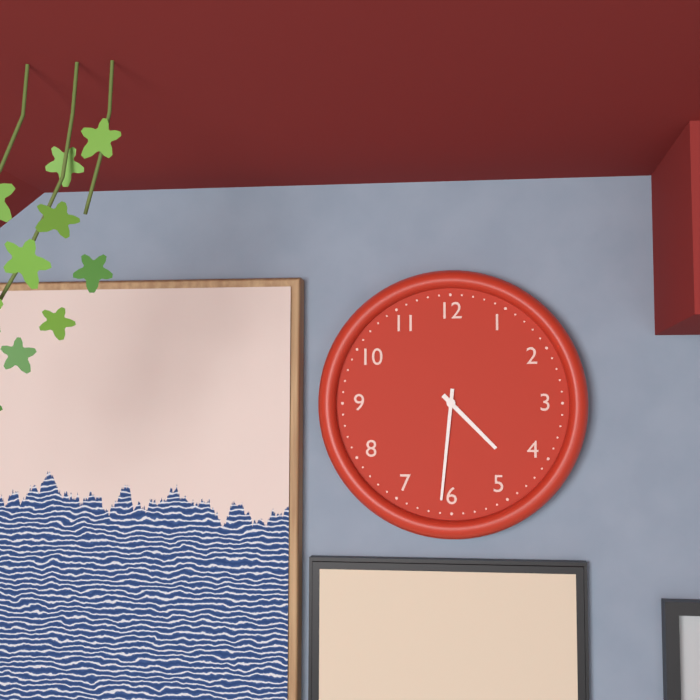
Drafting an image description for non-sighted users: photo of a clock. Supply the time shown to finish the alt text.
4:31
